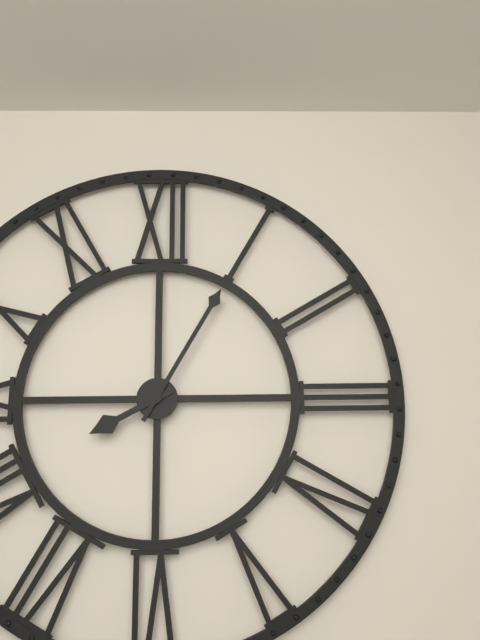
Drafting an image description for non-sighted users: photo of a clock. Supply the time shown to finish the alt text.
8:05
